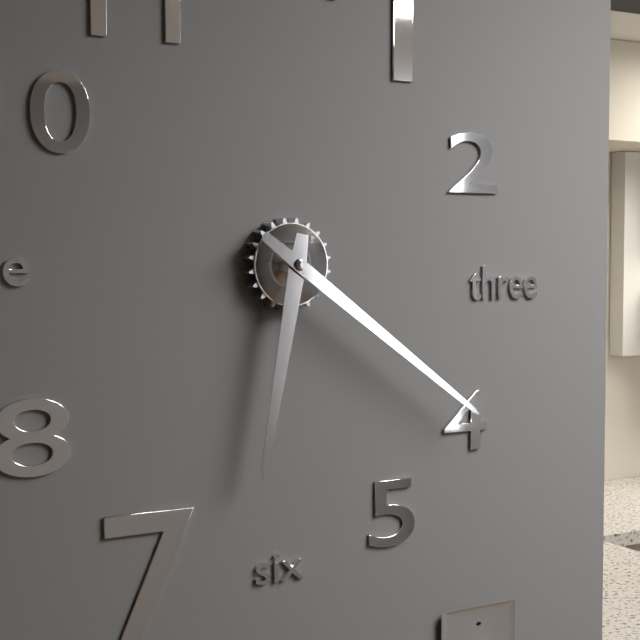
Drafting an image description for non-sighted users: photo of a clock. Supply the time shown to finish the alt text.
6:21
